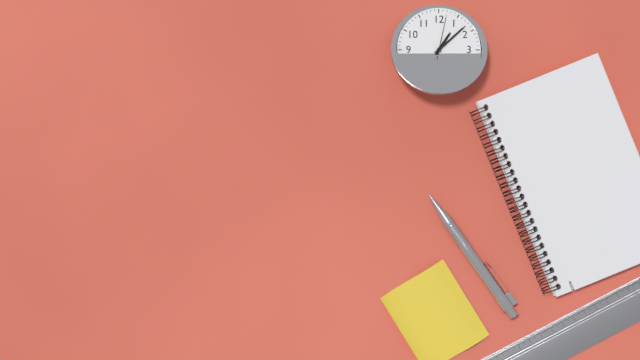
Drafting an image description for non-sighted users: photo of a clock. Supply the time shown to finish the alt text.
1:08
